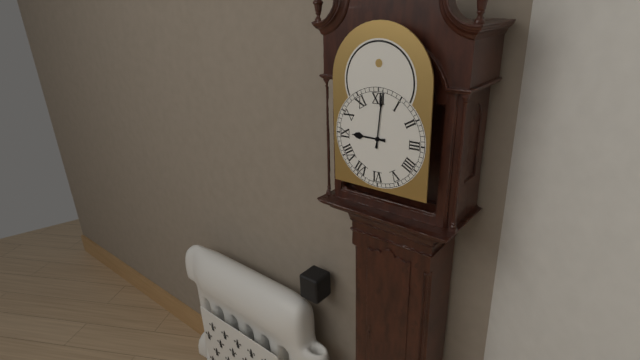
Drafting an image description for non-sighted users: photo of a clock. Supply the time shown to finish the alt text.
9:01
